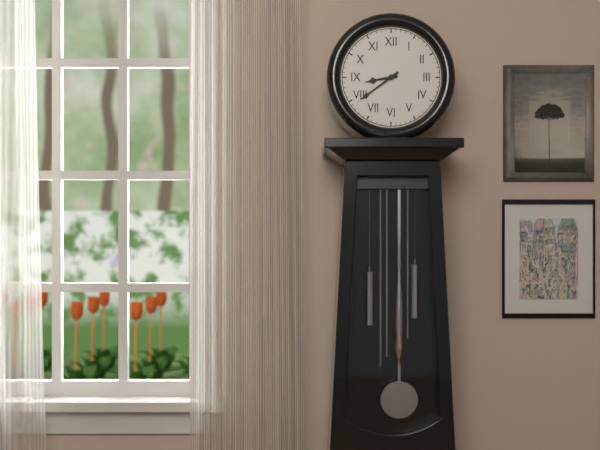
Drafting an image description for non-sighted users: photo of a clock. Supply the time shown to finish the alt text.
8:39
